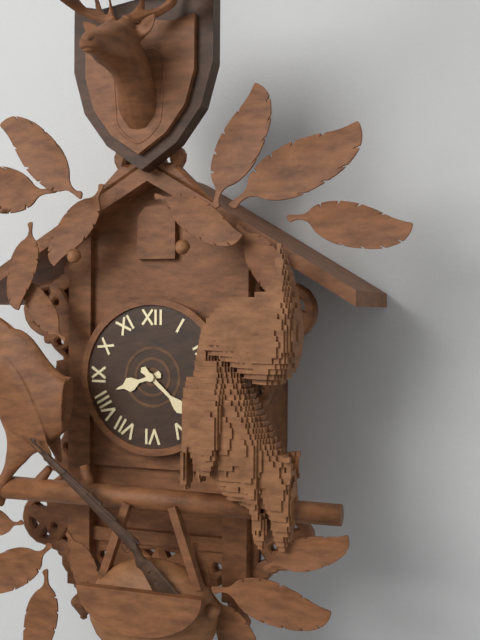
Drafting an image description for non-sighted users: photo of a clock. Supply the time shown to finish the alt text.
8:22
